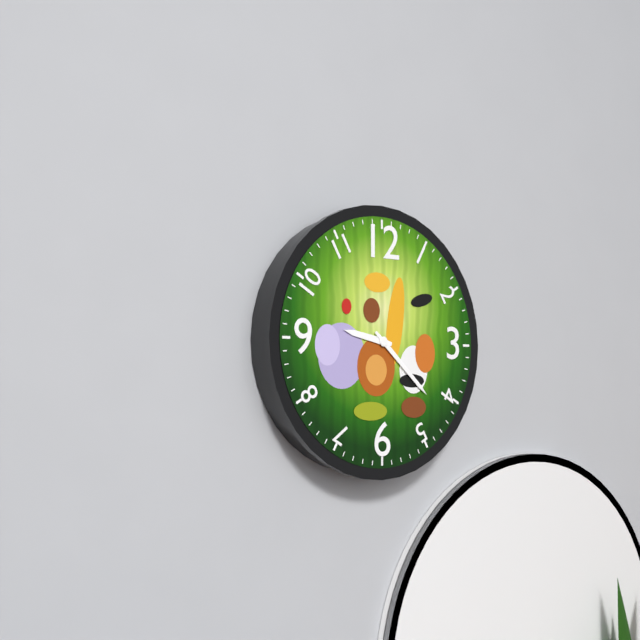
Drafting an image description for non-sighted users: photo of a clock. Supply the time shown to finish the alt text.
9:22
